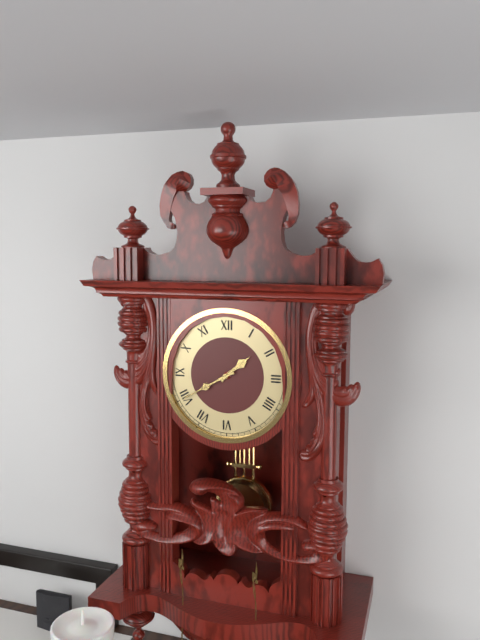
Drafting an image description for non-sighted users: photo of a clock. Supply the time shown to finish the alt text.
1:40
